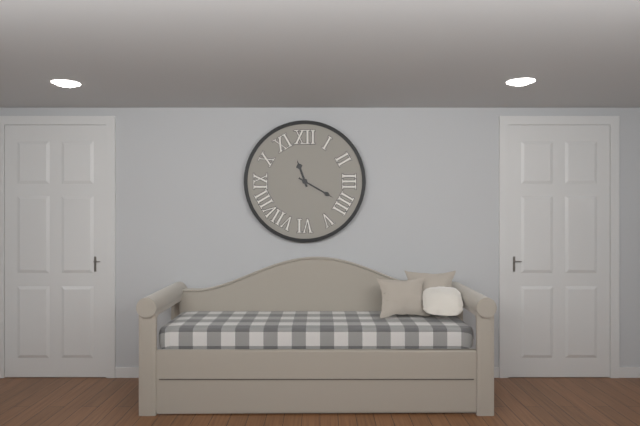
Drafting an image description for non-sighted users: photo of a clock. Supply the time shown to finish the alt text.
11:20
